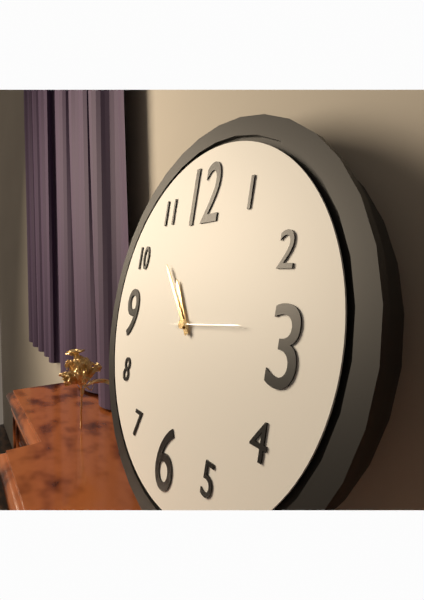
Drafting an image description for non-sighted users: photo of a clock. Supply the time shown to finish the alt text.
10:53:14
